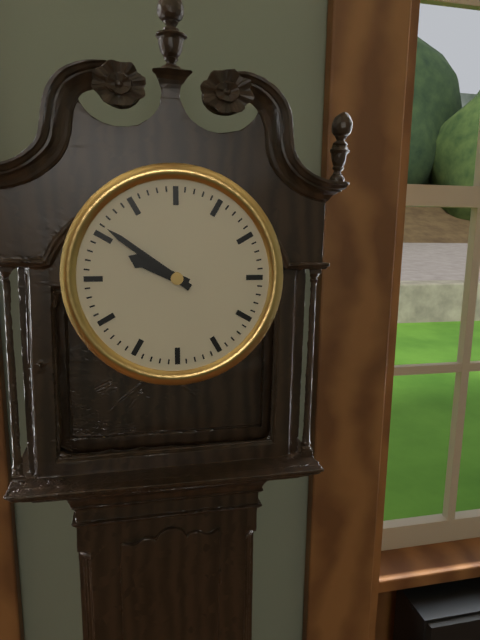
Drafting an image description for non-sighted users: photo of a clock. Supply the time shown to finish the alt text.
9:51
